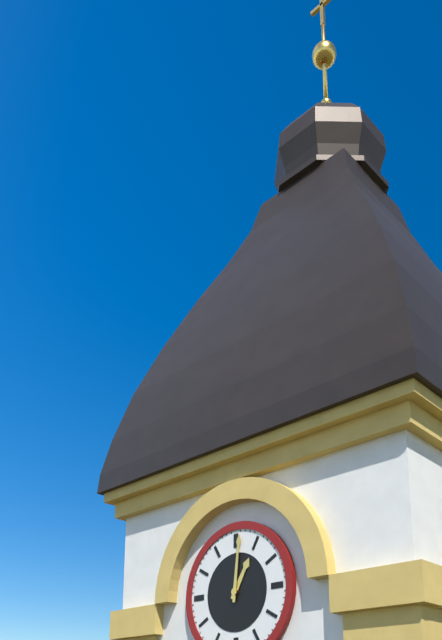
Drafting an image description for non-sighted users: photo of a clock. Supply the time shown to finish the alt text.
1:01
